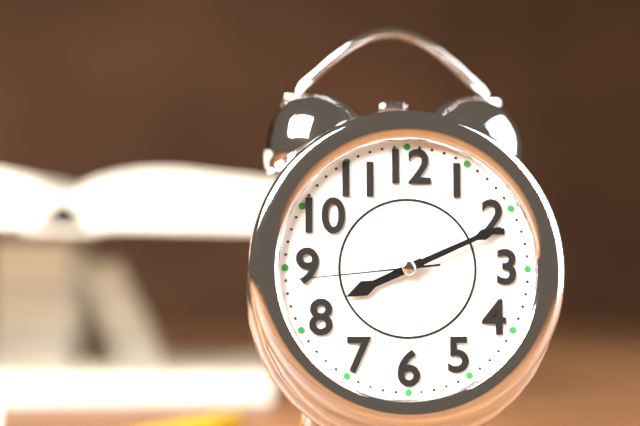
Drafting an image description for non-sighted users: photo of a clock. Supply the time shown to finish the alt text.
8:11:44
